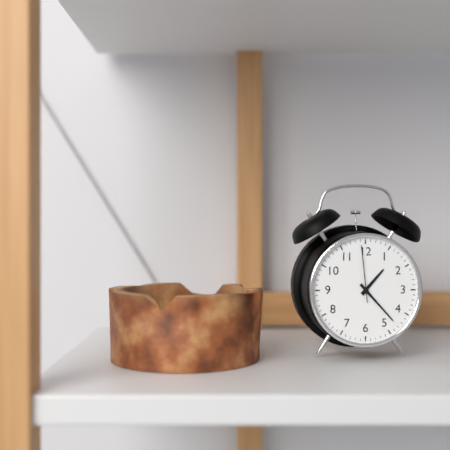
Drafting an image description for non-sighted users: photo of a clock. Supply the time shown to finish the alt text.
1:23:59
